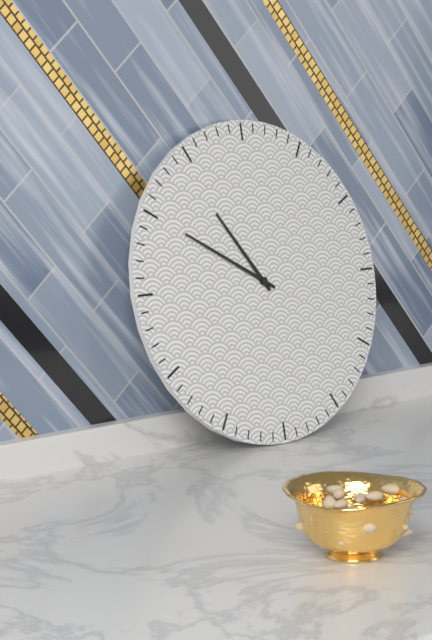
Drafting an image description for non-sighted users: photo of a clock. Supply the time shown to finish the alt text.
10:50
